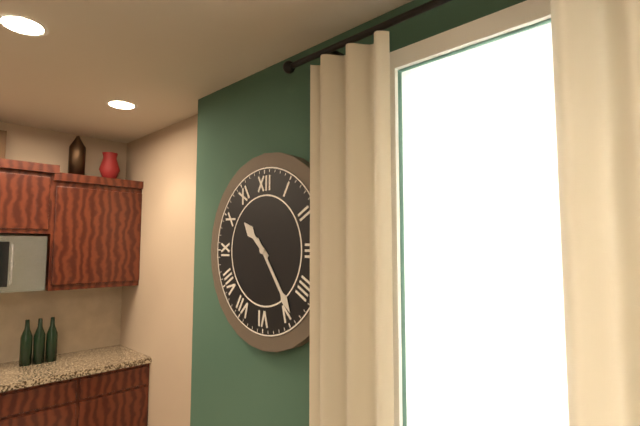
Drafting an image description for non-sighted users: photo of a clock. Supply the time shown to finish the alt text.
10:24
